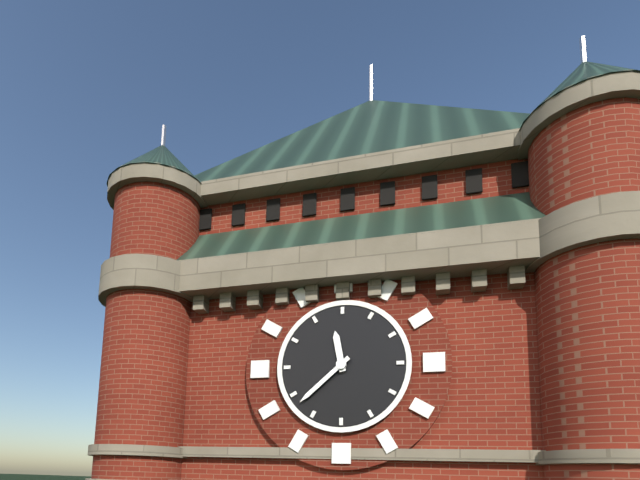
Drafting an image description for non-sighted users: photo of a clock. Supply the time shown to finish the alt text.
11:38
